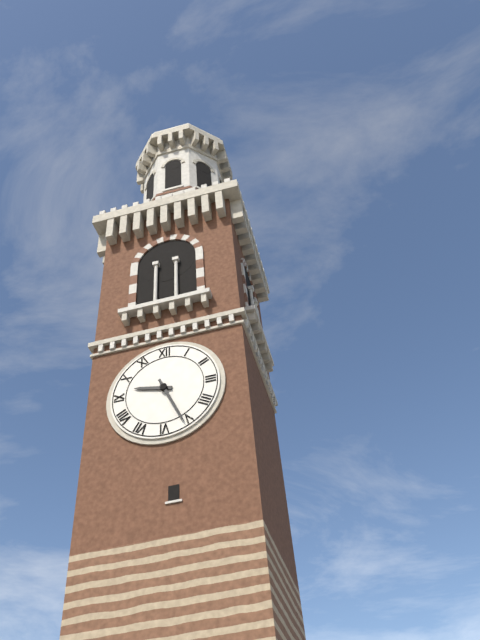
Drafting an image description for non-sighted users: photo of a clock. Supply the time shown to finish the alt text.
9:26
